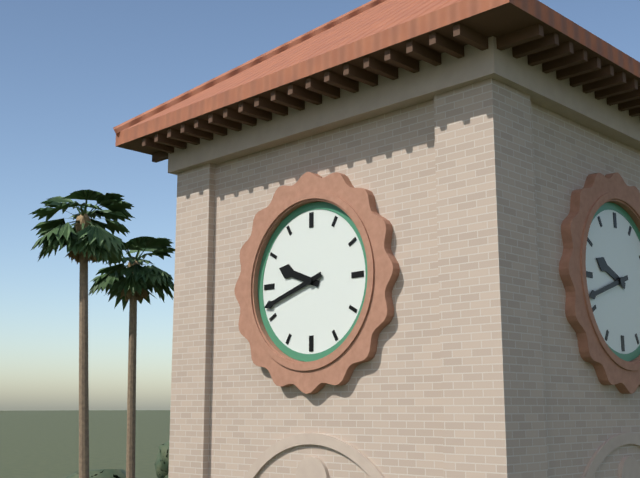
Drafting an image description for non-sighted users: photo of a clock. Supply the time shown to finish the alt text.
9:42
